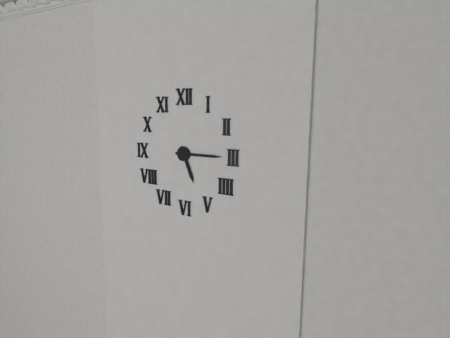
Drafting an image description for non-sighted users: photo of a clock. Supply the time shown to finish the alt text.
5:15
